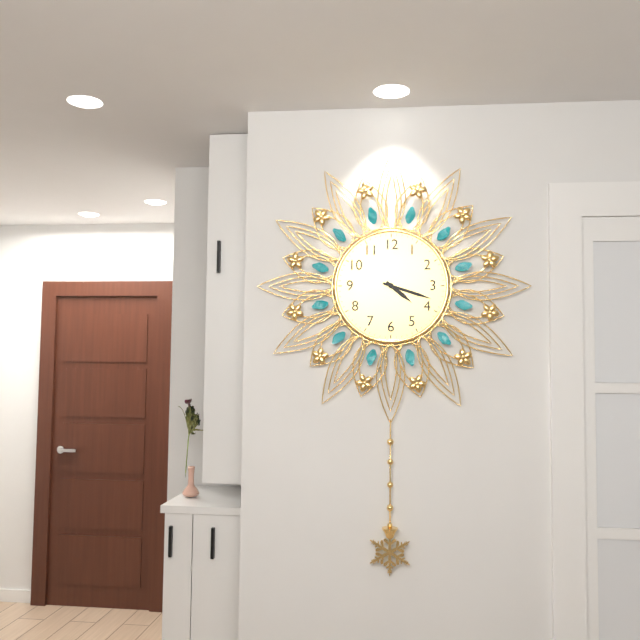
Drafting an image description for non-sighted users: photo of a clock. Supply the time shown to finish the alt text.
4:18
